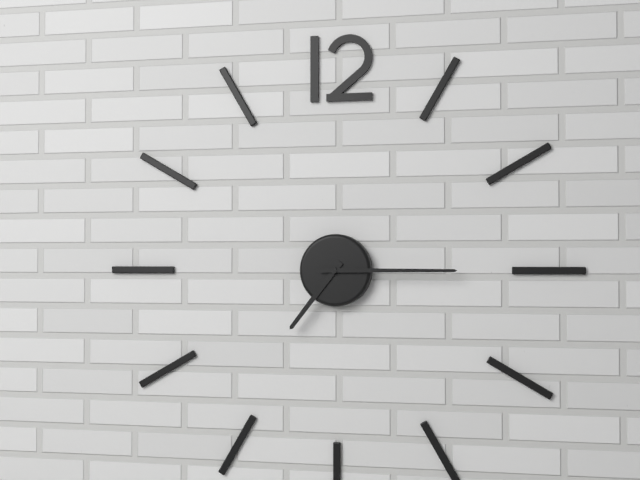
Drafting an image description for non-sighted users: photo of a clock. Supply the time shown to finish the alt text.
7:15
